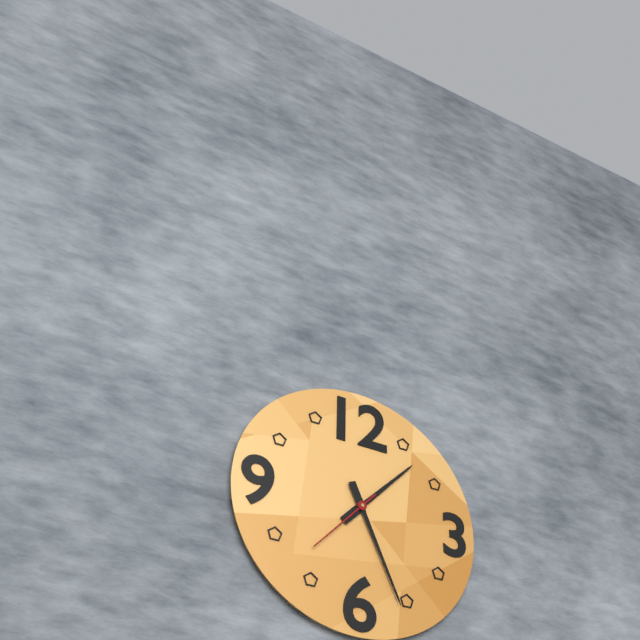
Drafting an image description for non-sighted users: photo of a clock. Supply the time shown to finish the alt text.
1:26:37
